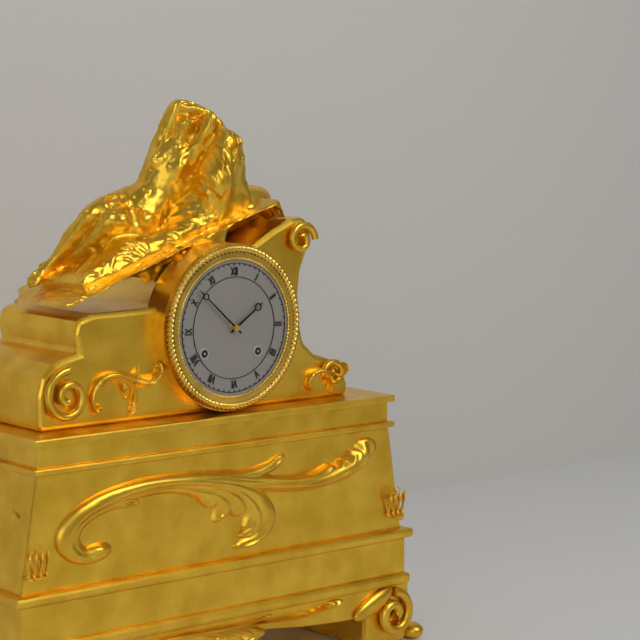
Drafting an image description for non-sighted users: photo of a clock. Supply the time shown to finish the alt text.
1:52
